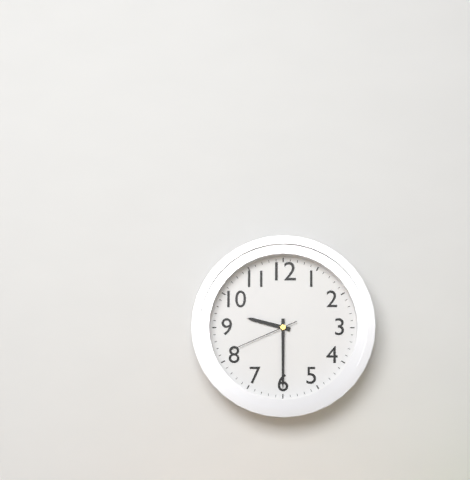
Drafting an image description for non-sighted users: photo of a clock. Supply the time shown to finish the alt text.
9:30:41
